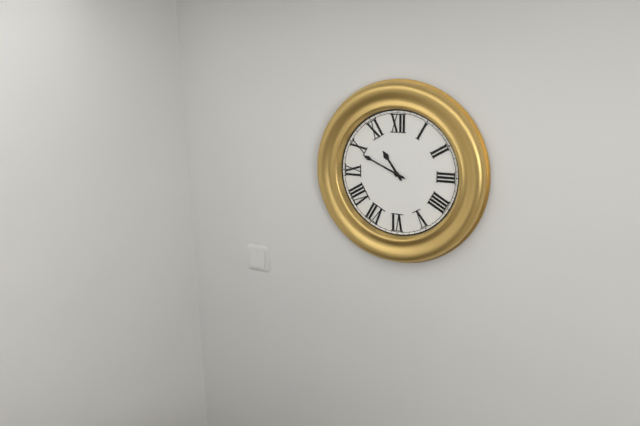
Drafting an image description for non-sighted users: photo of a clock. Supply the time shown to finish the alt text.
10:49
